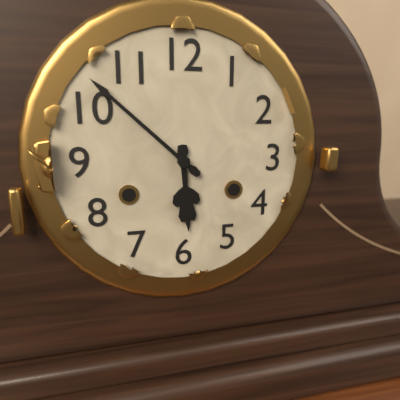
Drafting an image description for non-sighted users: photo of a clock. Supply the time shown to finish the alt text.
5:52
